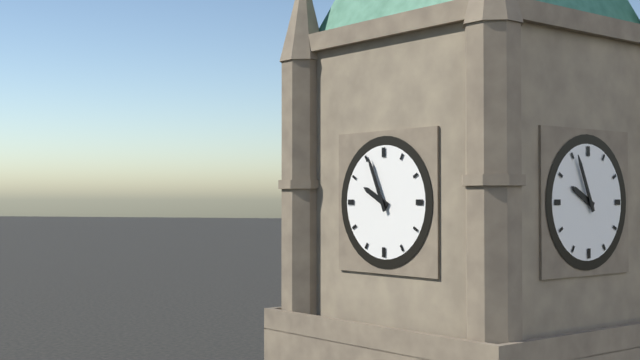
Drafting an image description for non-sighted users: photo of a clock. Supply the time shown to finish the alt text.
9:56
